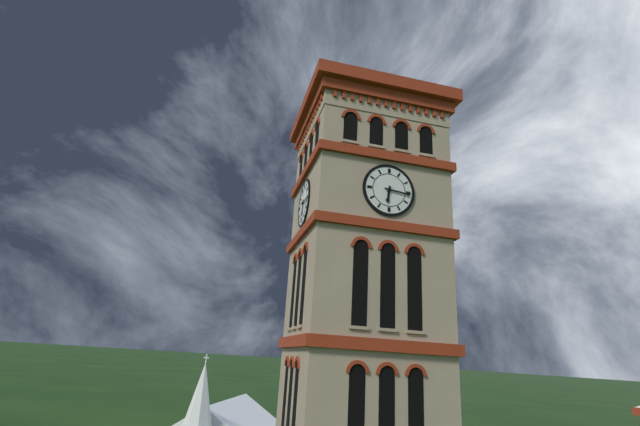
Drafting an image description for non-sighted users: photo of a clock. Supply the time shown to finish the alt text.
6:16
